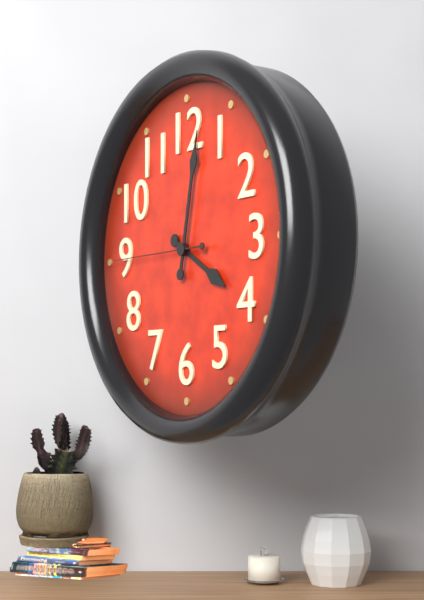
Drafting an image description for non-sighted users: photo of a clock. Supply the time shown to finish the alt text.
4:02:45
